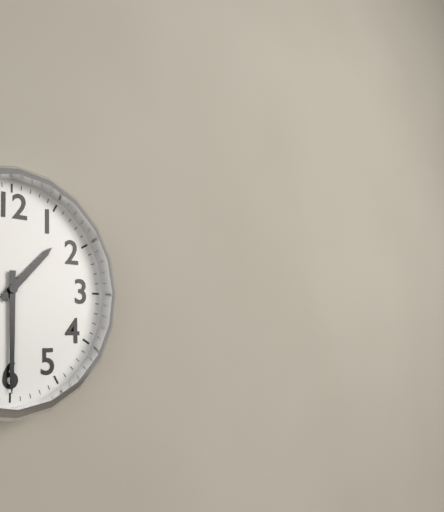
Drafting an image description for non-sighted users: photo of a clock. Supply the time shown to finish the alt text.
1:30
